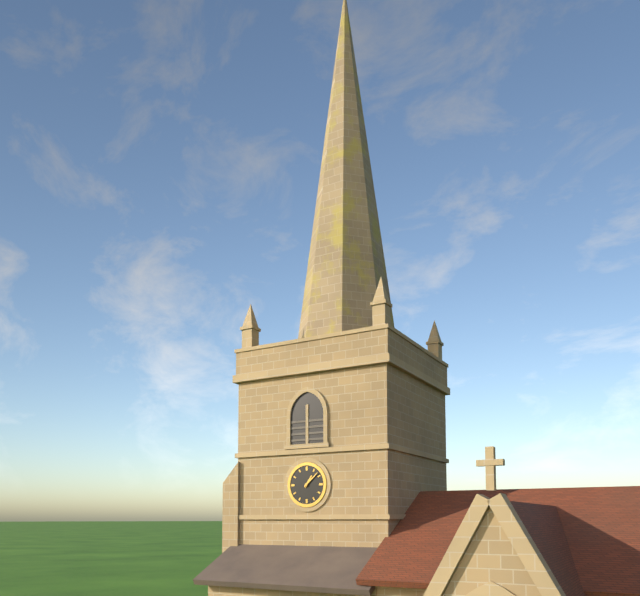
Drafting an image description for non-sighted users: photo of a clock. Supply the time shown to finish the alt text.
1:08
